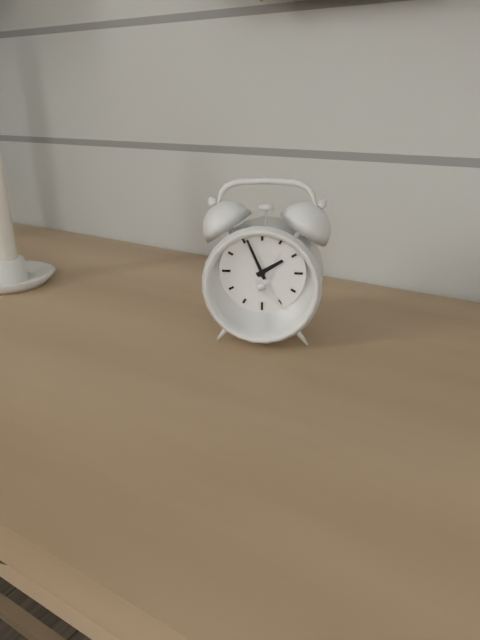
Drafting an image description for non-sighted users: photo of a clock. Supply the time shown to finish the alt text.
1:56
